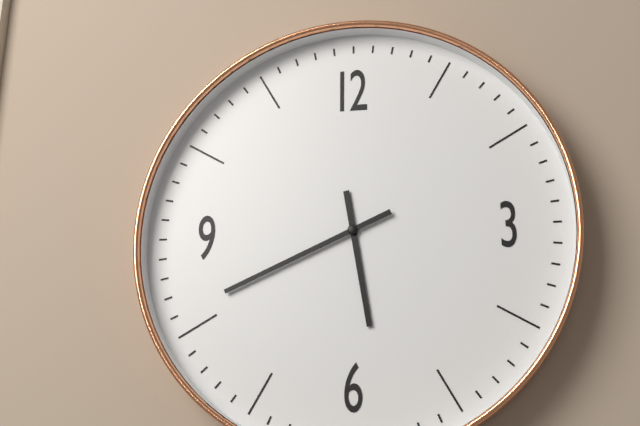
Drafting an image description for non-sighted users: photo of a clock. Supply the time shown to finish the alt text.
5:41
